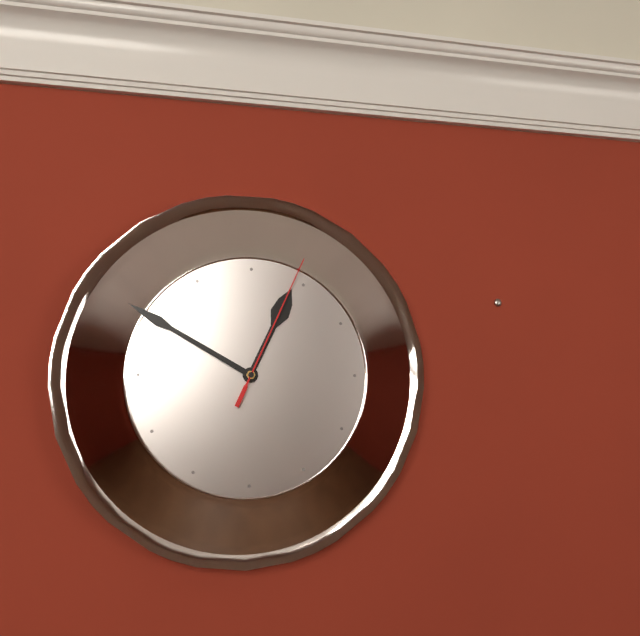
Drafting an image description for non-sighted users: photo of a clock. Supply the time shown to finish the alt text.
12:50:04
